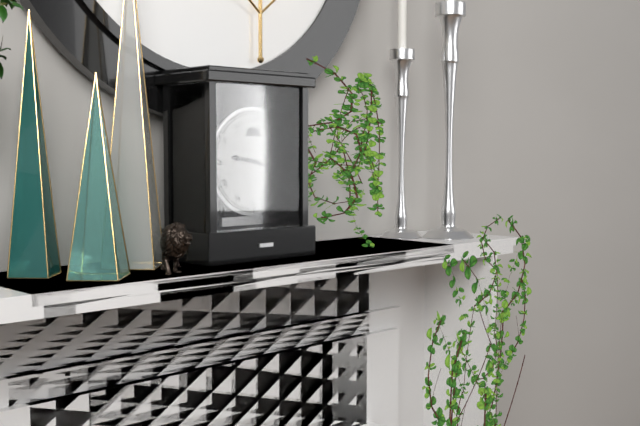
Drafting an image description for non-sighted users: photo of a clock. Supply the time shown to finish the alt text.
9:18
